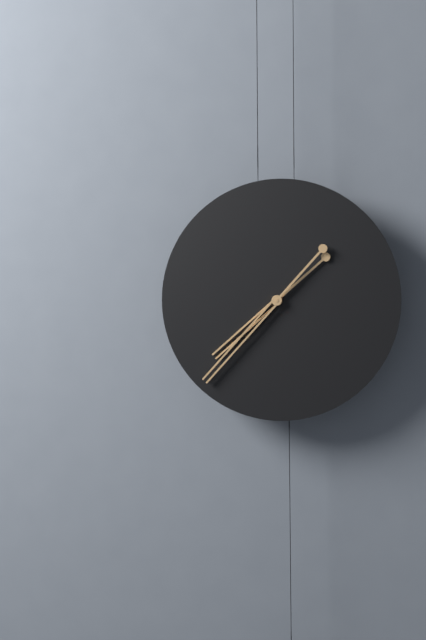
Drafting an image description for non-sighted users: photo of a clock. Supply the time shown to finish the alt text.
7:37
